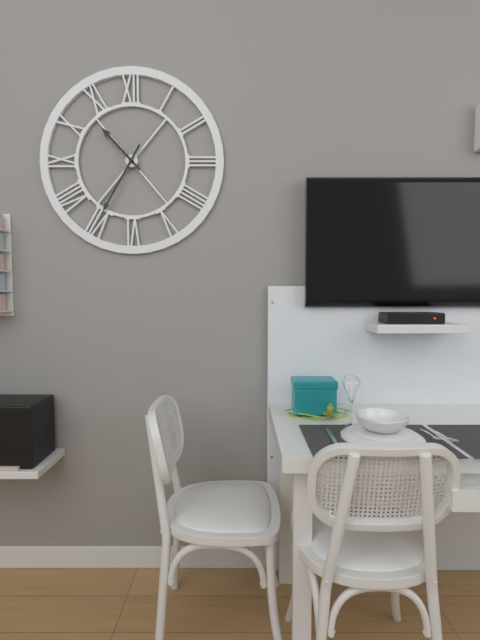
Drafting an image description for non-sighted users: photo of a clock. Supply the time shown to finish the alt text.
10:35
